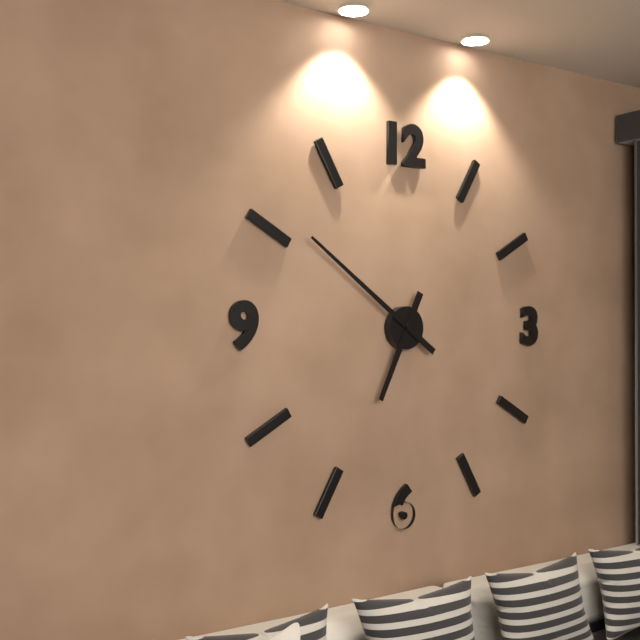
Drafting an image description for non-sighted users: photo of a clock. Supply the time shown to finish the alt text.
6:51
